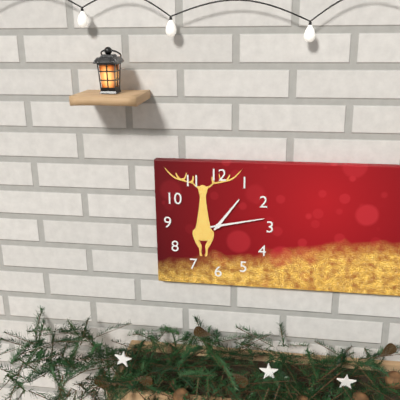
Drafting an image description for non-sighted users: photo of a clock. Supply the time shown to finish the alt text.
1:13
